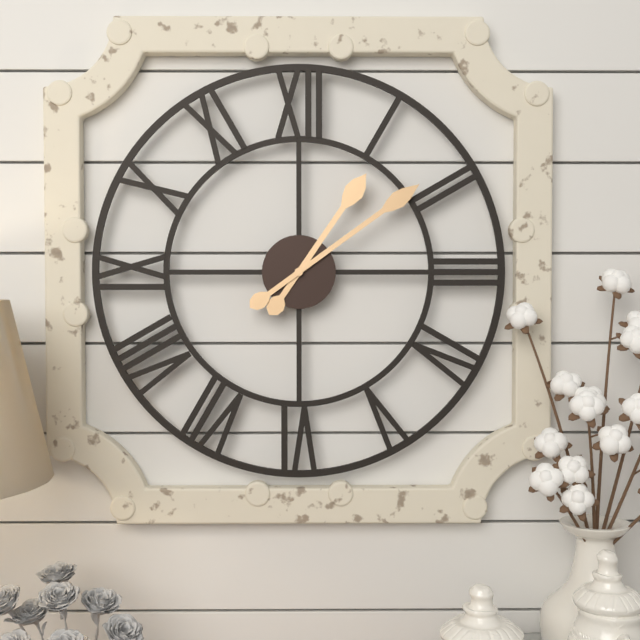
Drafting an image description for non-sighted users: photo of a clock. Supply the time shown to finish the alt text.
1:09
